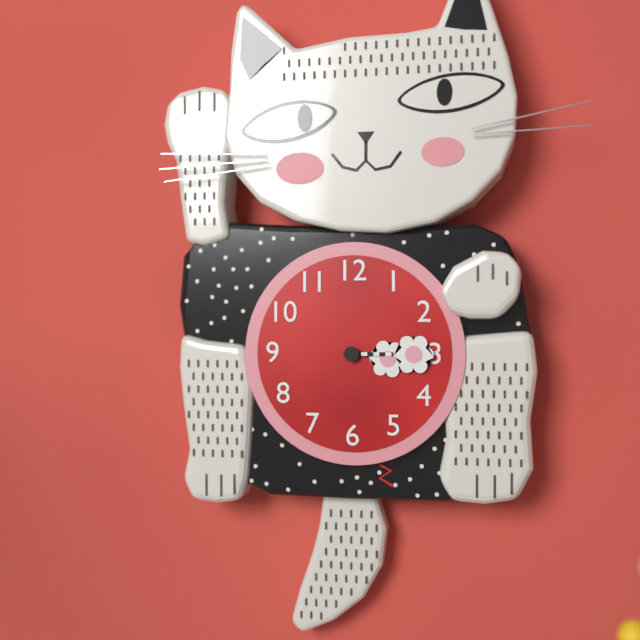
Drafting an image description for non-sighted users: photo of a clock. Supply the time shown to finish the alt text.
3:15
